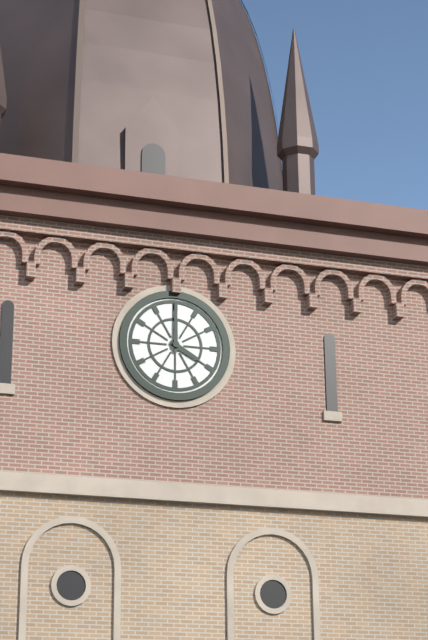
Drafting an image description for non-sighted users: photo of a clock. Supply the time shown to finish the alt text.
4:00
